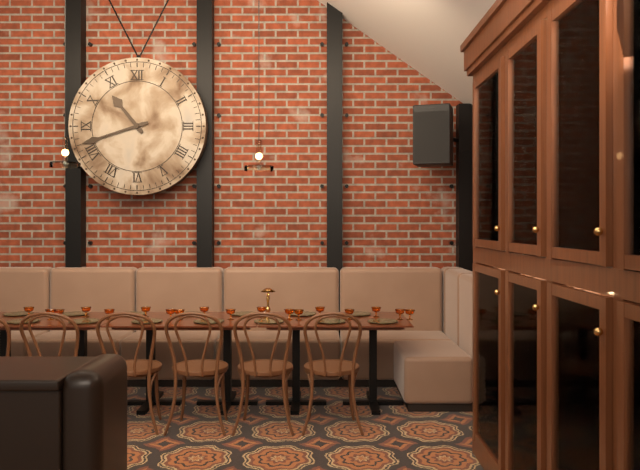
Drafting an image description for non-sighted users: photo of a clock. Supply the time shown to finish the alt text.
10:42
